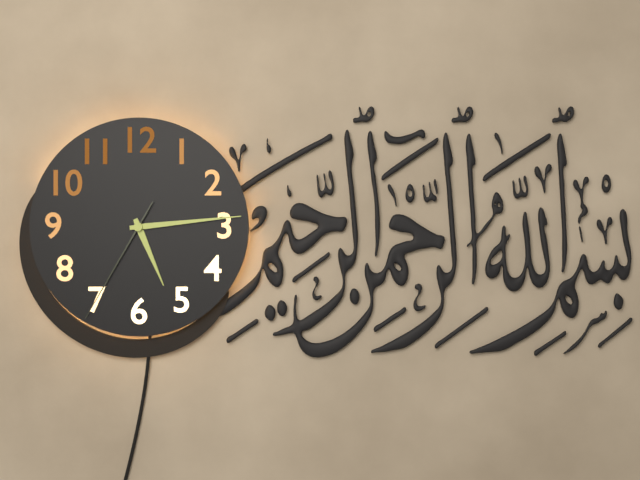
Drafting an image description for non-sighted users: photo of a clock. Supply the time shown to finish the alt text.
5:14:35
